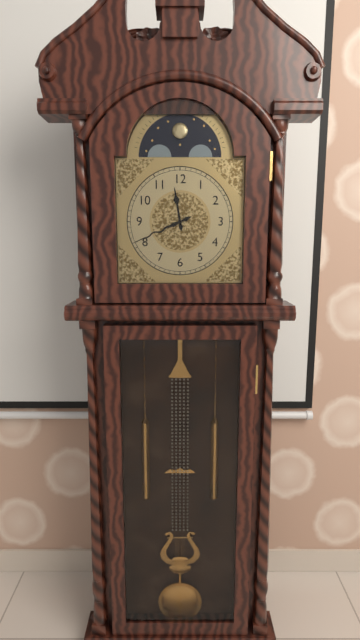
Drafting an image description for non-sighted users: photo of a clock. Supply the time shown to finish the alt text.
11:41
